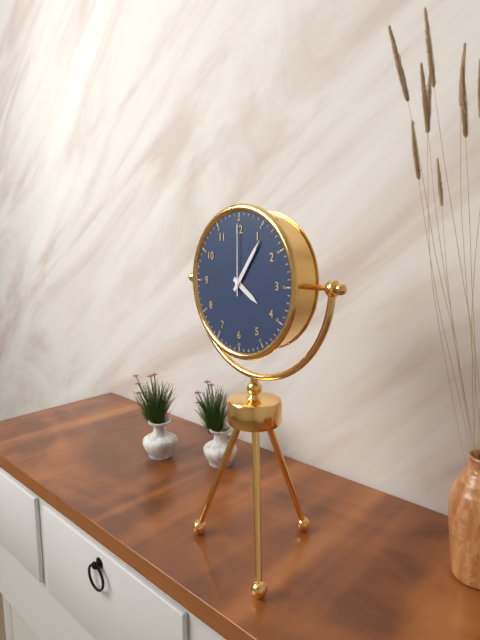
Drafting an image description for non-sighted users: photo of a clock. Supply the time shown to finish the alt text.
4:06:00
